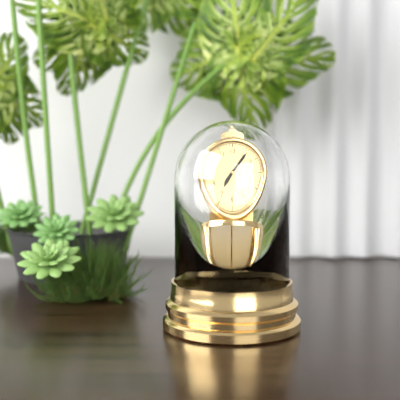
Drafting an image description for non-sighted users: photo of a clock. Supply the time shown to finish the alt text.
7:06
